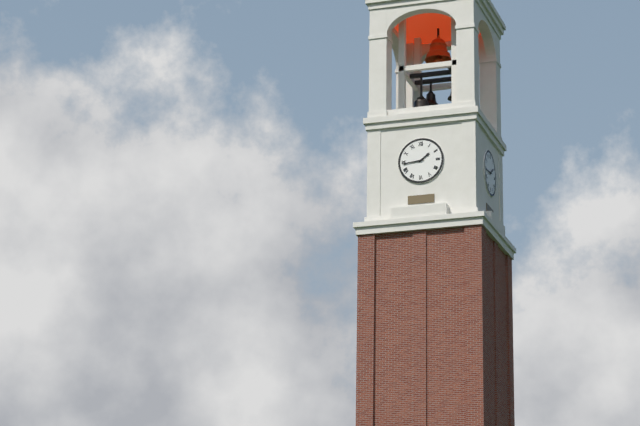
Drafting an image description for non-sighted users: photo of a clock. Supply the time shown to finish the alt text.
1:44
